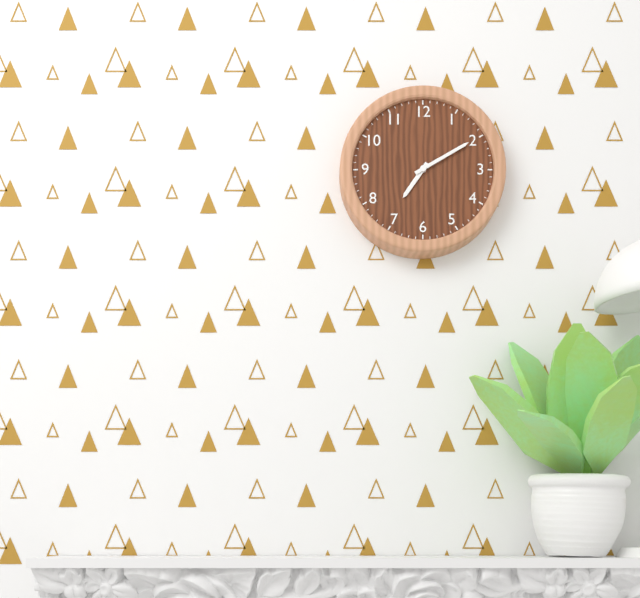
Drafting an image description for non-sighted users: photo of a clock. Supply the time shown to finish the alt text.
7:10
